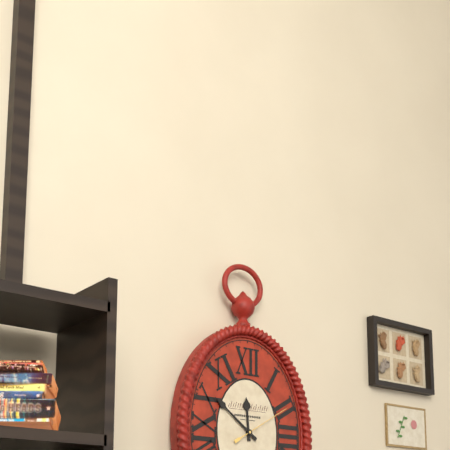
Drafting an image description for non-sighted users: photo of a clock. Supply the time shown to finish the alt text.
11:51:10
